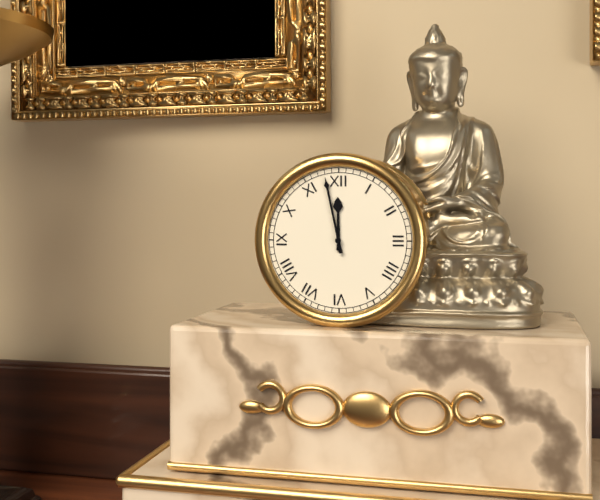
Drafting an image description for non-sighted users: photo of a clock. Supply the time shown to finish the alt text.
11:58
